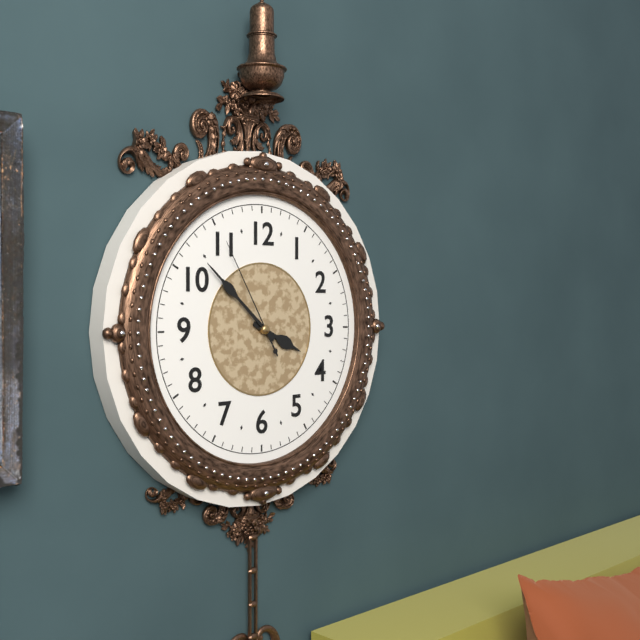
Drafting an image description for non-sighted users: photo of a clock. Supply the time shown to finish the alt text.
3:52:55
